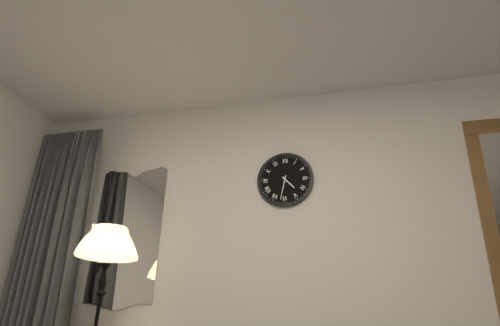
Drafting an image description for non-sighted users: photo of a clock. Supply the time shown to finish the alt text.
4:32
